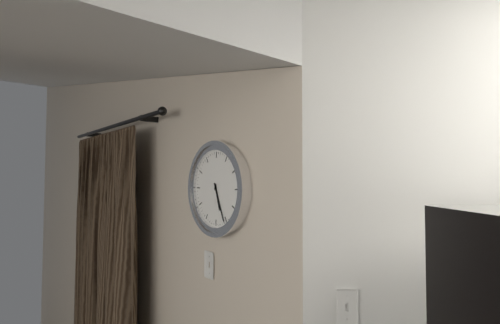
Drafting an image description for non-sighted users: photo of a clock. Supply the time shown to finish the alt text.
5:26
